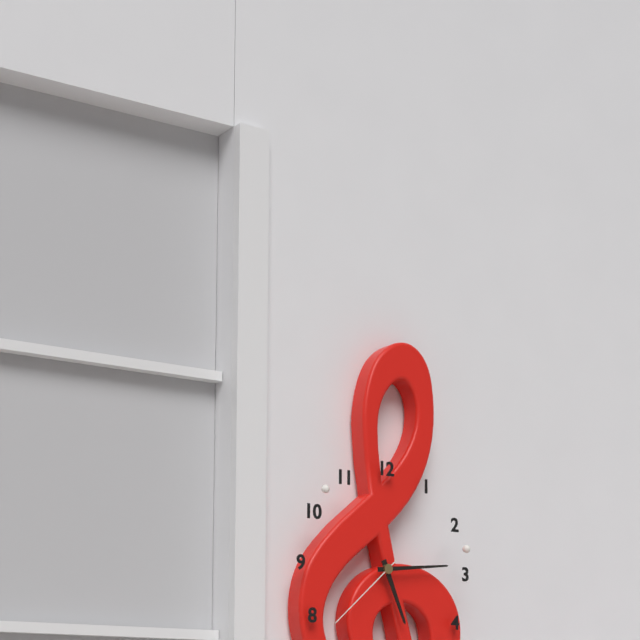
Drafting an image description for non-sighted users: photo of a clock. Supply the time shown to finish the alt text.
5:14:38
